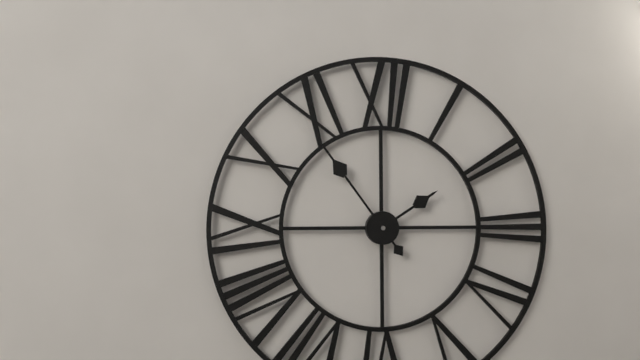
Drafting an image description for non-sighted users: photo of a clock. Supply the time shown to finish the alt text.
1:54
